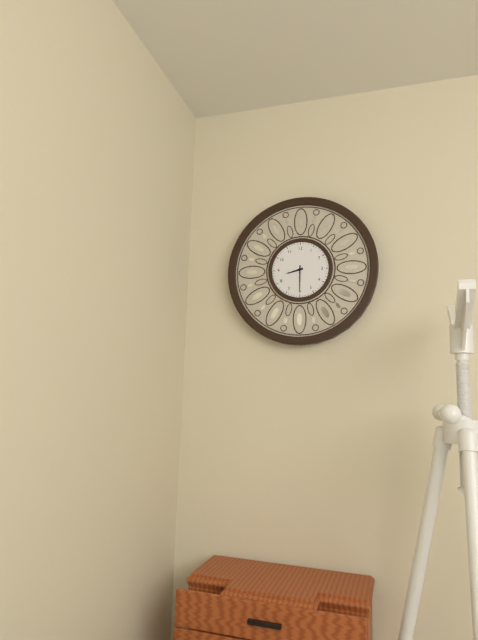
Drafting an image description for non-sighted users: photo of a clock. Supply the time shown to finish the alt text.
8:30
